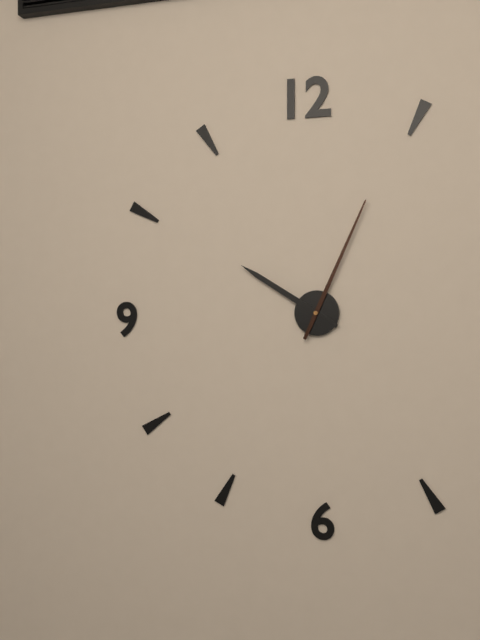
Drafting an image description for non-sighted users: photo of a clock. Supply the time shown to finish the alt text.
10:04
